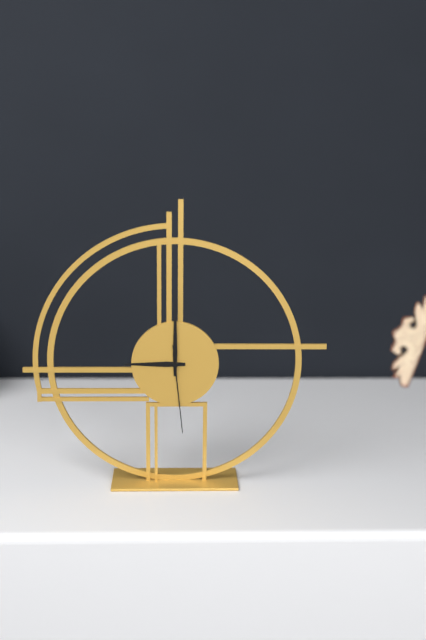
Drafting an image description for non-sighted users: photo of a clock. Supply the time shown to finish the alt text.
9:00:29
